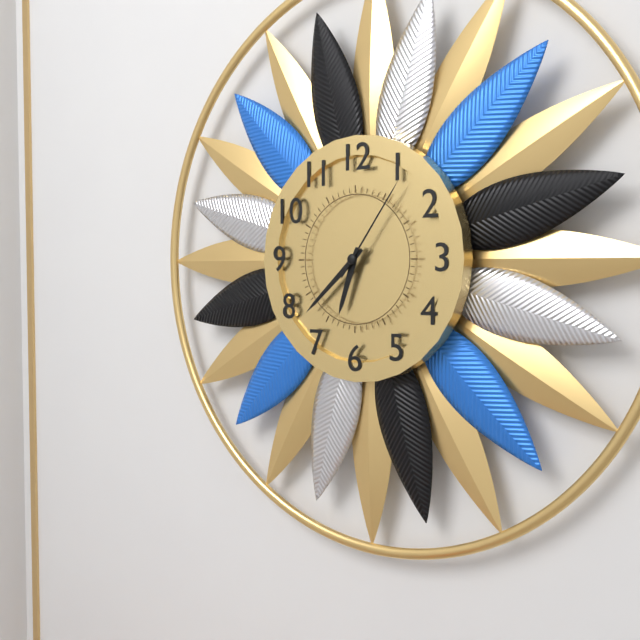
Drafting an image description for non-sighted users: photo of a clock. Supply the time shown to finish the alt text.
6:38:06
